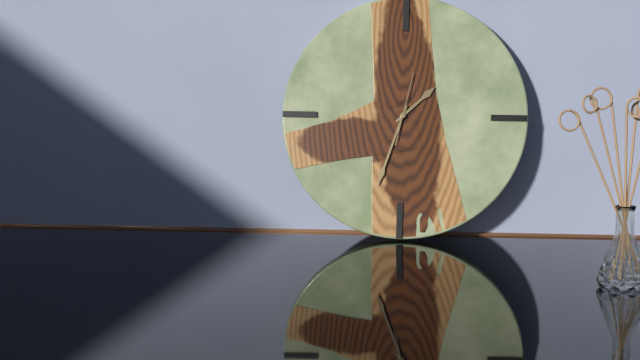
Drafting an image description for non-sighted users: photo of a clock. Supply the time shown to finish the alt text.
1:33:02
